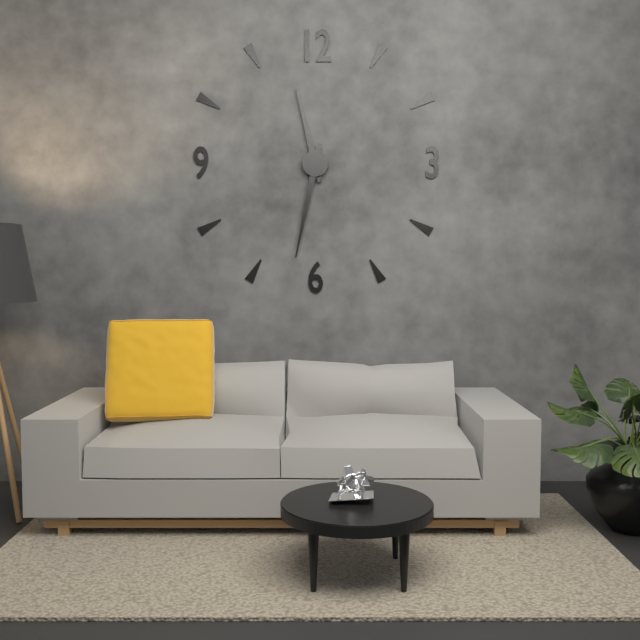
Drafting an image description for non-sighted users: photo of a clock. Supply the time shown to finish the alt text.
11:32
